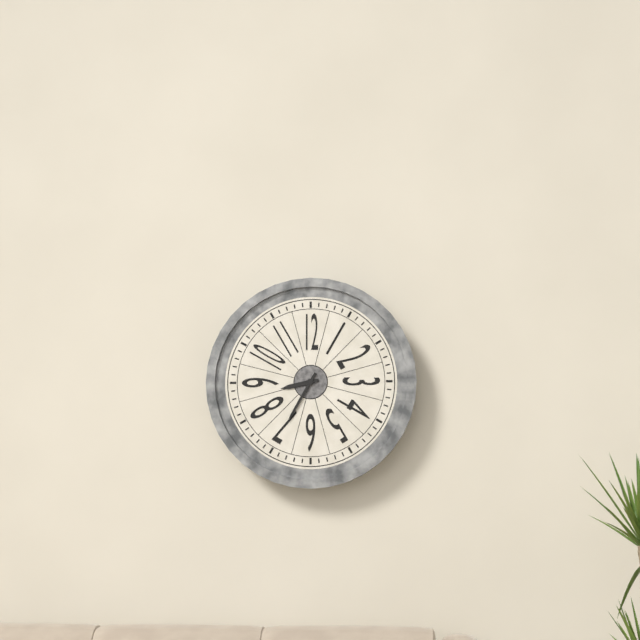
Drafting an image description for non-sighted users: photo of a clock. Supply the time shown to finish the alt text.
8:35
